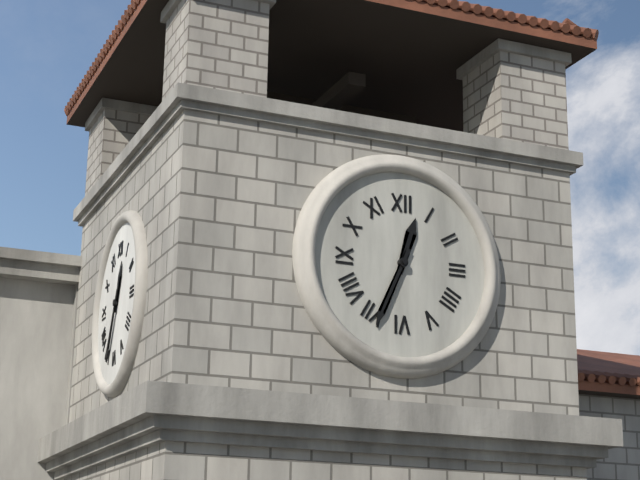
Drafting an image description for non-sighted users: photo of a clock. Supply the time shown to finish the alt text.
12:34
